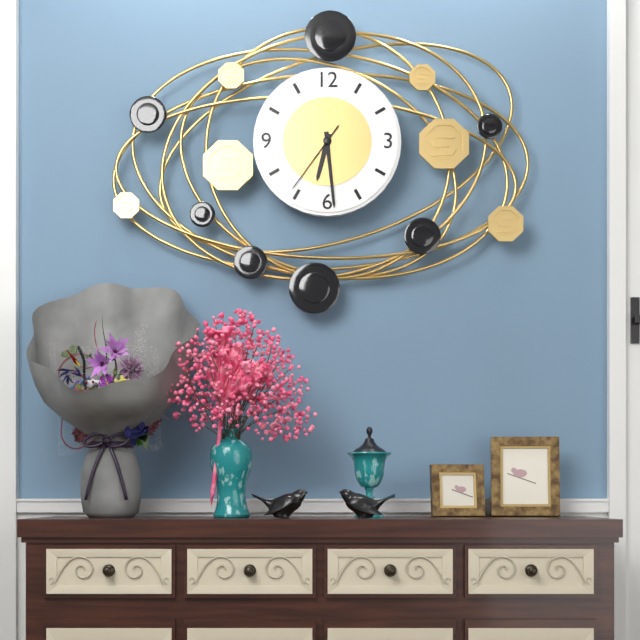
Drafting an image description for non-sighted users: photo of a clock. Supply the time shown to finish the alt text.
6:29:36
